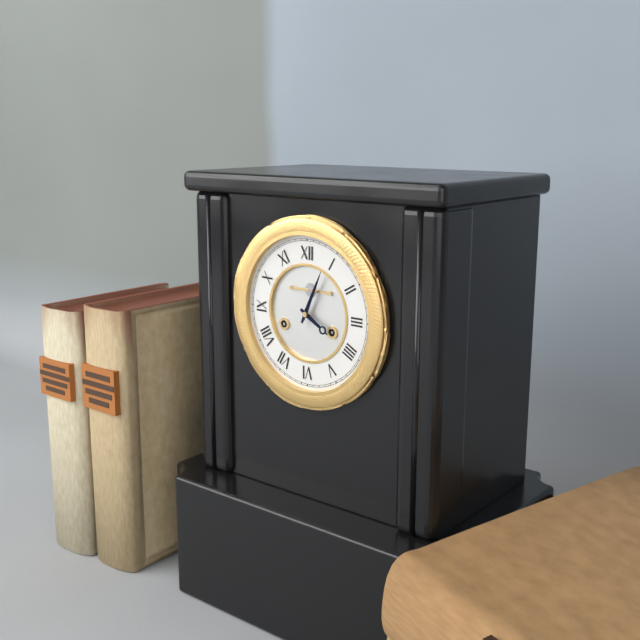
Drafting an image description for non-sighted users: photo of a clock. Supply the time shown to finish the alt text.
4:04
